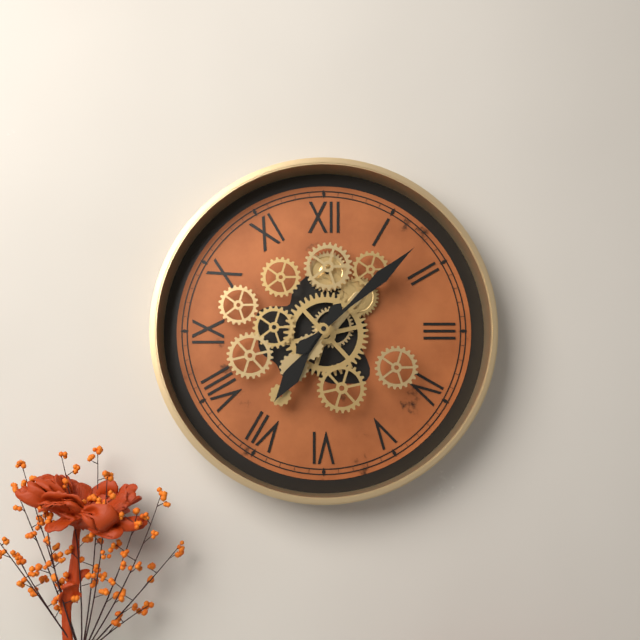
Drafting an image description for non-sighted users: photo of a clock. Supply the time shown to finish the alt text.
7:08
